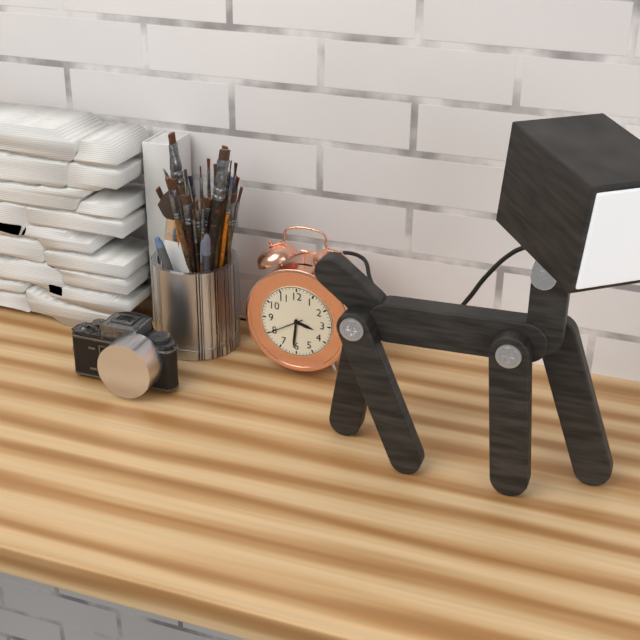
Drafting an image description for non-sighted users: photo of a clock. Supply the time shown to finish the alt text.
3:31
